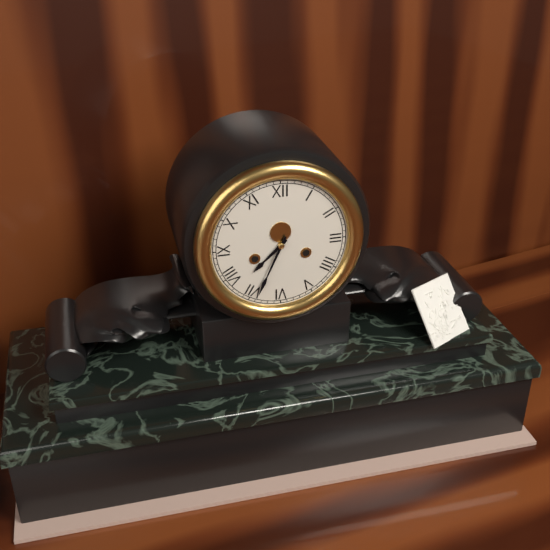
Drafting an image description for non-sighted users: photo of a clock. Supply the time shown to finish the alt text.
7:34
